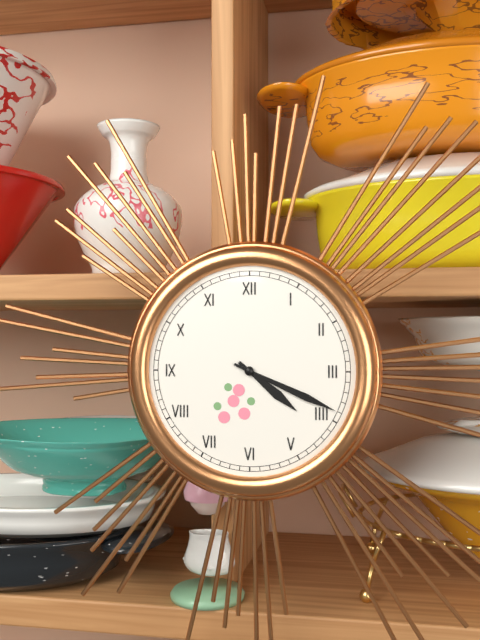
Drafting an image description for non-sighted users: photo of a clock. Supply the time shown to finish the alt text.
4:19
